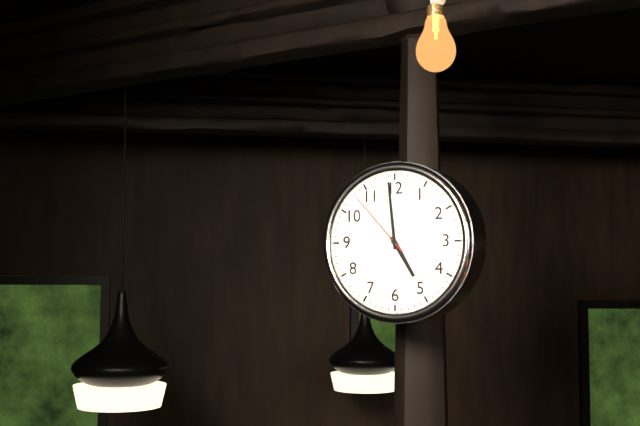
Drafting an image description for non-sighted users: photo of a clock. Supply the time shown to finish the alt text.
4:59:53
